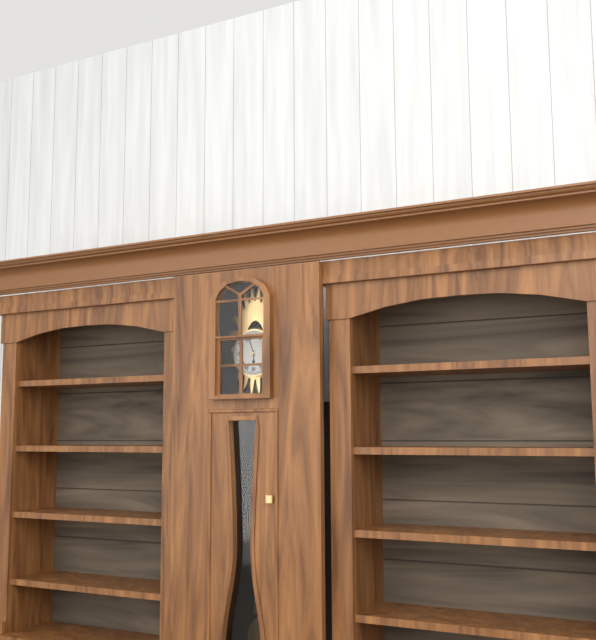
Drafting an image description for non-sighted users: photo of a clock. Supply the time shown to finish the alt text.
5:57
